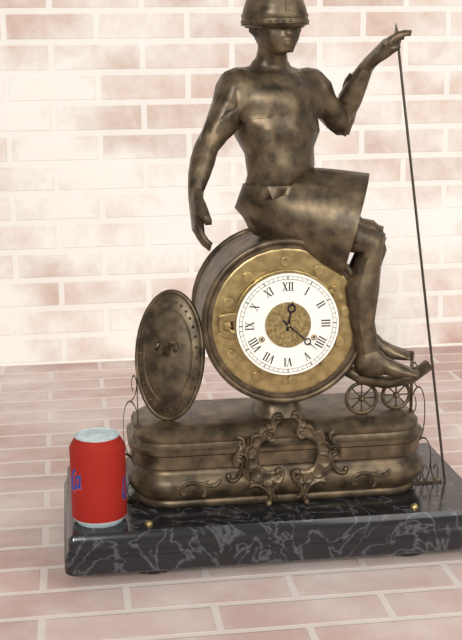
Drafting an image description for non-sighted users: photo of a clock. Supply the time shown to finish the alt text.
12:22
